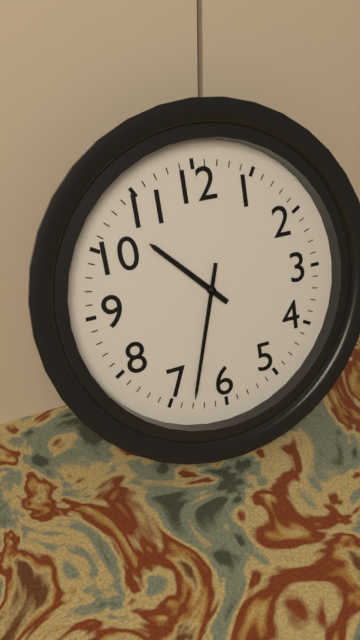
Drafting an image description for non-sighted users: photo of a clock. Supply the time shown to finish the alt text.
10:33
